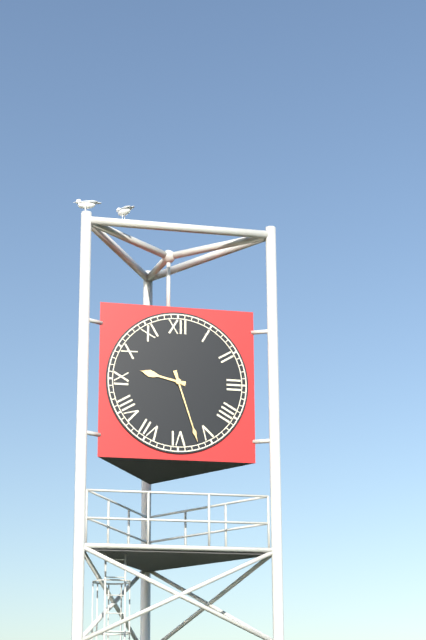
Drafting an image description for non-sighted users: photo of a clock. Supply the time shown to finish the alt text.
9:27
